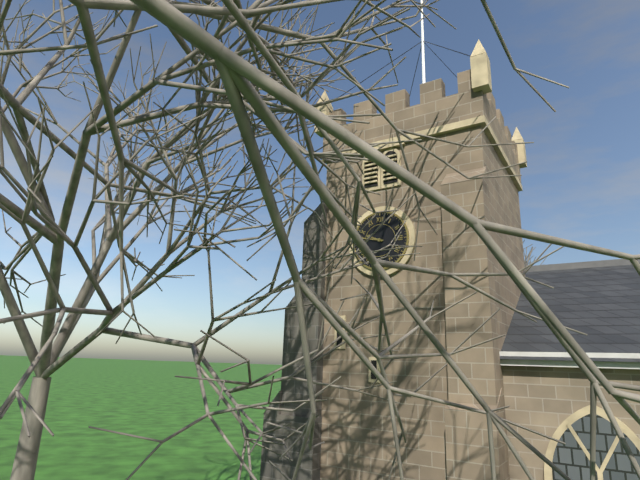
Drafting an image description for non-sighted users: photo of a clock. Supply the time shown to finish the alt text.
9:47
